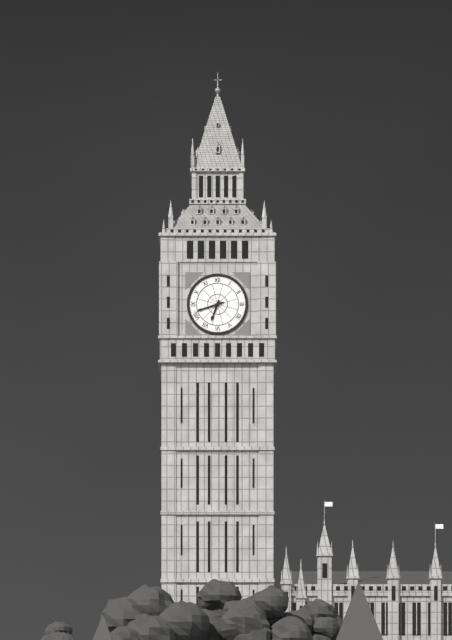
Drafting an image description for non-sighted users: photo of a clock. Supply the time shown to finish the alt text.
6:42
